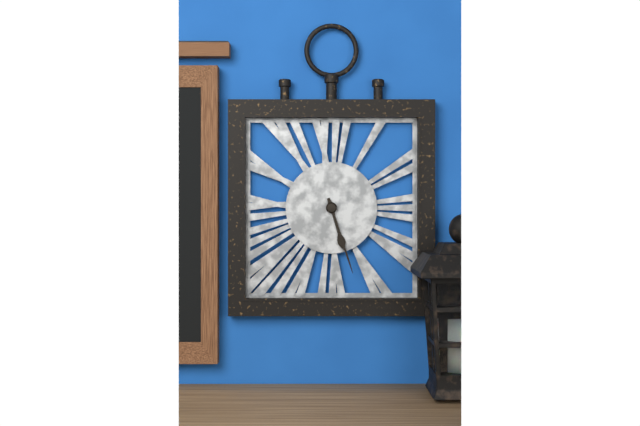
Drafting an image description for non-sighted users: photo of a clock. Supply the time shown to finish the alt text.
5:27
